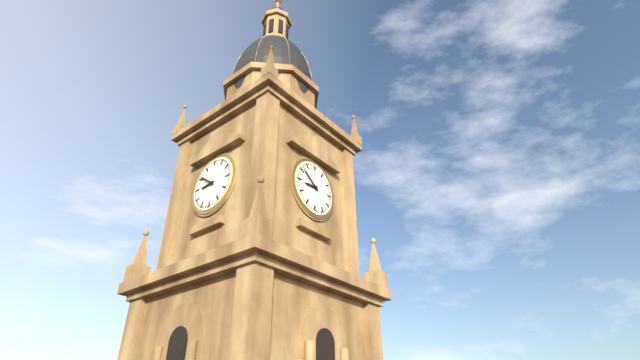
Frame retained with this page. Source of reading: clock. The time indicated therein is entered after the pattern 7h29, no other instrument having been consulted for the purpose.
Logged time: 8h51
